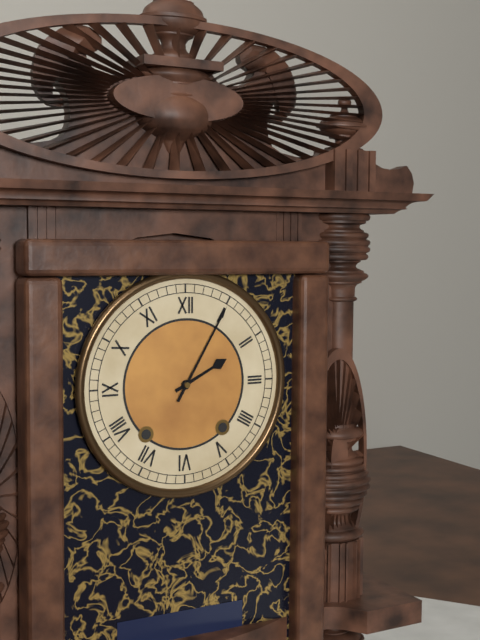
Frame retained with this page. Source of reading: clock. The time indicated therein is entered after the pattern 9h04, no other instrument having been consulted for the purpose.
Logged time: 2h05
